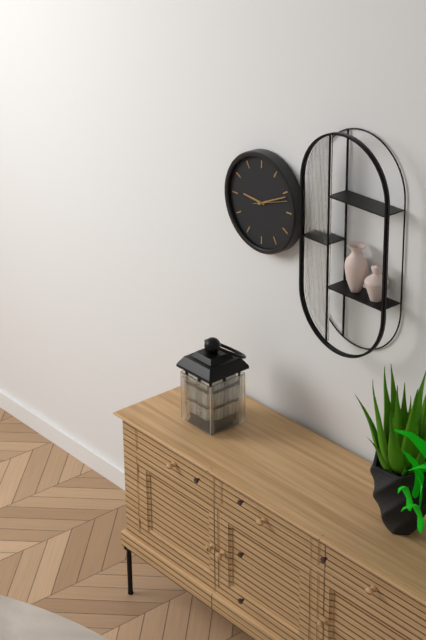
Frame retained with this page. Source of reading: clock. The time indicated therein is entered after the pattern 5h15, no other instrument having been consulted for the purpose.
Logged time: 9h11
